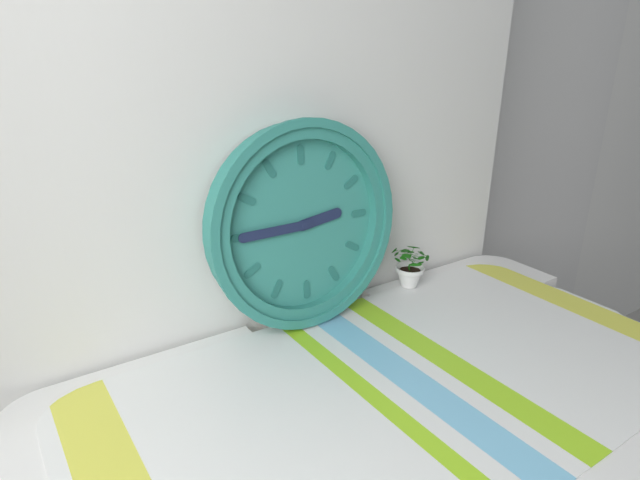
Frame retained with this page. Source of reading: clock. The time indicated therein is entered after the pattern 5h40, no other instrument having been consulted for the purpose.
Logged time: 2h45
